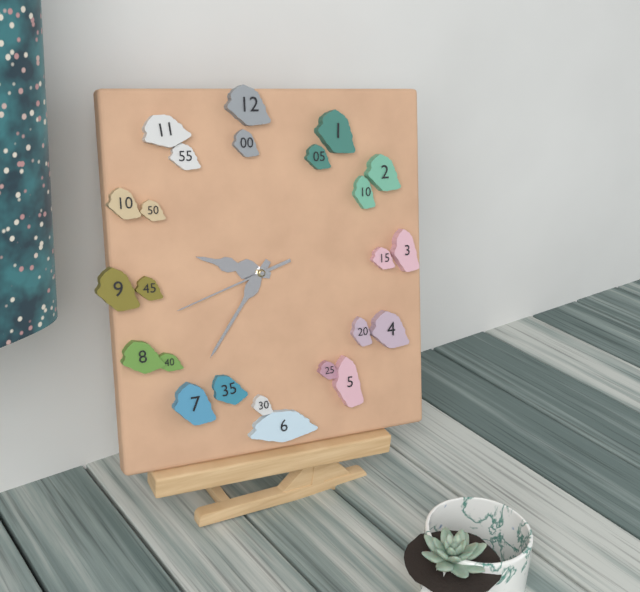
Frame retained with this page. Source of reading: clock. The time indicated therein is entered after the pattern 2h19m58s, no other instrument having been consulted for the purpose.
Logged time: 9h36m42s
